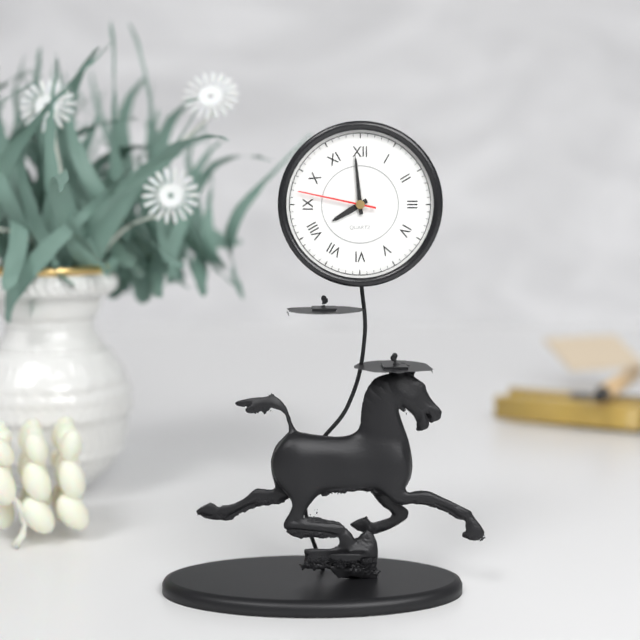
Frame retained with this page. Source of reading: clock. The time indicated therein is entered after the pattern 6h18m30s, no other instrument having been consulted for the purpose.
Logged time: 7h59m47s
